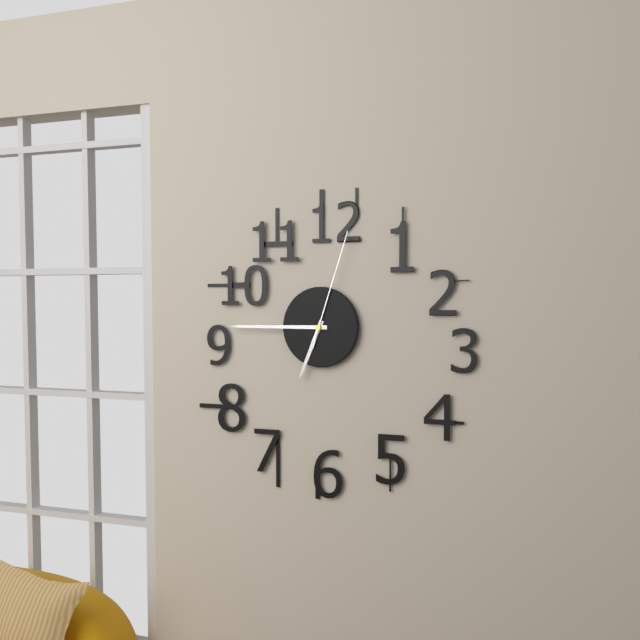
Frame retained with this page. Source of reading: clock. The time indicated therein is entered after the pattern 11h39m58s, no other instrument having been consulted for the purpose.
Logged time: 6h45m03s
